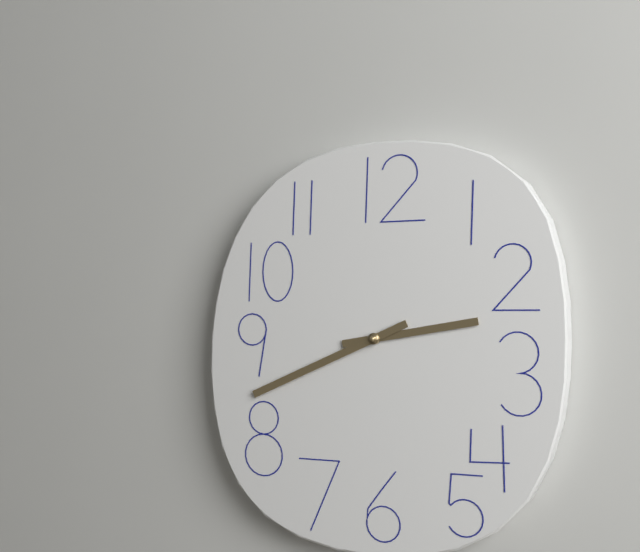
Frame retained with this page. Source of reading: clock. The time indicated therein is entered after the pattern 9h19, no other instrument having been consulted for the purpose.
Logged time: 2h41
